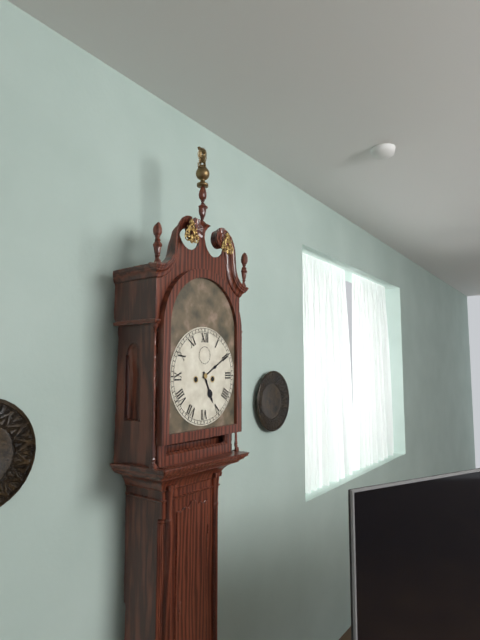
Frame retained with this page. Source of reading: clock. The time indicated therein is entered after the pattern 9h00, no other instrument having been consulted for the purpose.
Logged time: 5h10
